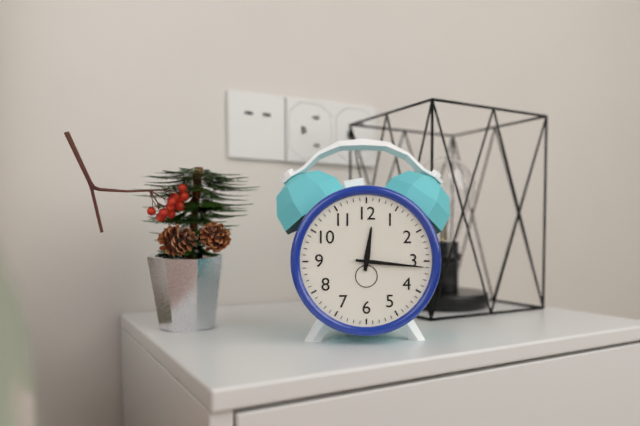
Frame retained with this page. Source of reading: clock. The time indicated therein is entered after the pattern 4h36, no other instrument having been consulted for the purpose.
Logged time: 12h16
